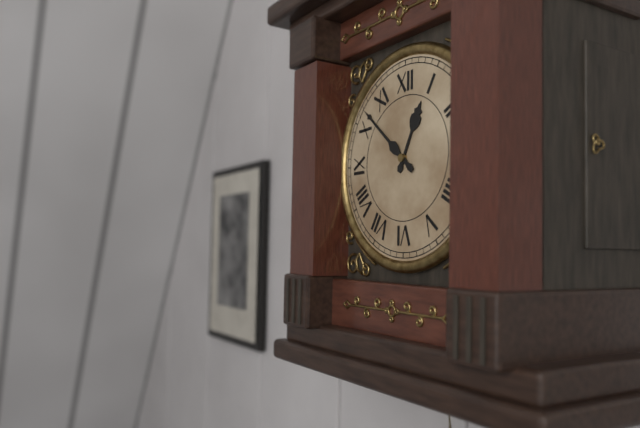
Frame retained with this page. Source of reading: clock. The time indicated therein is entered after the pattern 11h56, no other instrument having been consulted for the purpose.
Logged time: 12h52
